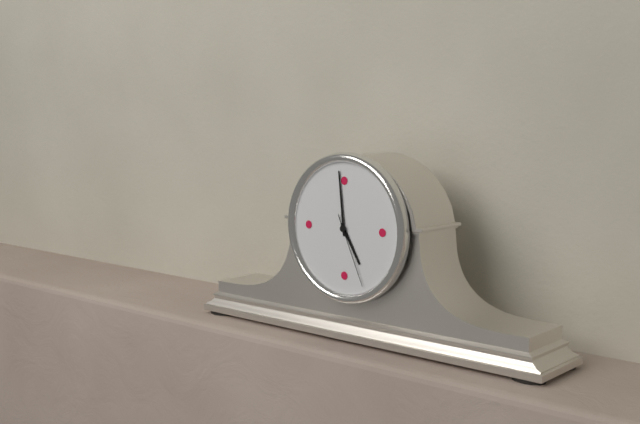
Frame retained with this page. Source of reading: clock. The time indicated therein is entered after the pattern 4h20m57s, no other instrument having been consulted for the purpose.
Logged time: 4h59m26s
